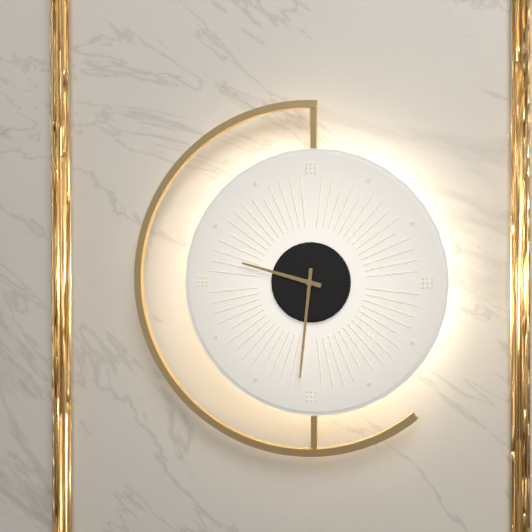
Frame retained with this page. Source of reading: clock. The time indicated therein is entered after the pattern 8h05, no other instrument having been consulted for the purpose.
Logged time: 9h31
